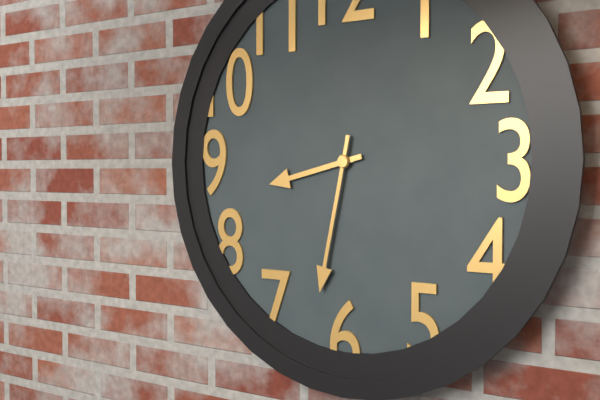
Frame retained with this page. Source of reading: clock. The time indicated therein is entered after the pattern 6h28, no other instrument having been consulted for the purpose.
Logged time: 8h32
